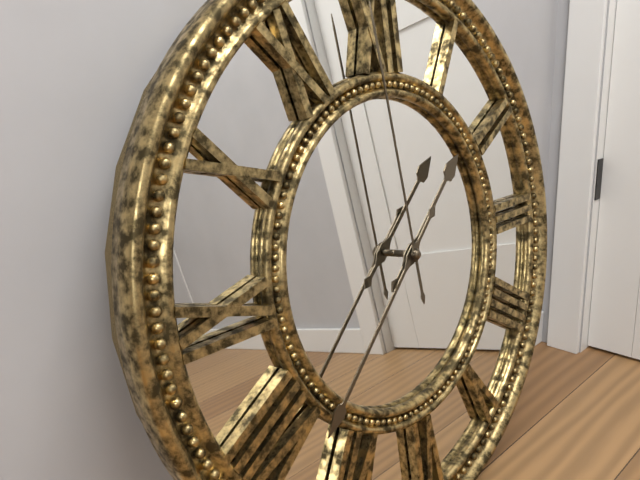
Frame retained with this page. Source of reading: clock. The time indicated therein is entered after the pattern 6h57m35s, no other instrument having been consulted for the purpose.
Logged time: 1h38m59s
